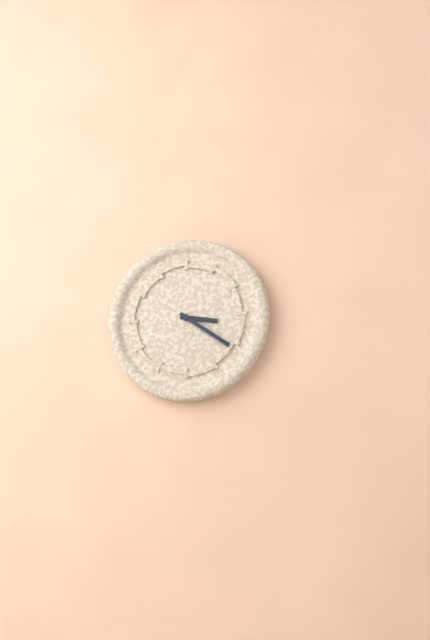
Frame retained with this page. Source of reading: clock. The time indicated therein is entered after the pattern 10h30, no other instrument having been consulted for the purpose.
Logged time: 3h21
